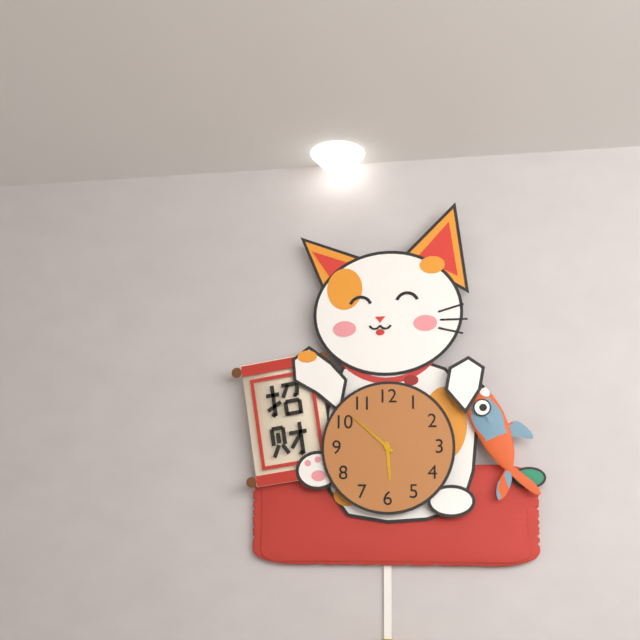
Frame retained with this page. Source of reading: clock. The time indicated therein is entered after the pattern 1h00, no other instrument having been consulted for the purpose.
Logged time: 5h52
